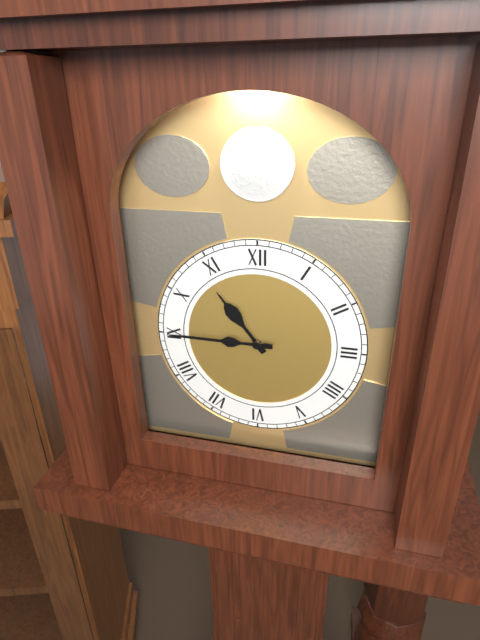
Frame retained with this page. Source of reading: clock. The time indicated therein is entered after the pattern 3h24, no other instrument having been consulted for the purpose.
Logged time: 10h45
